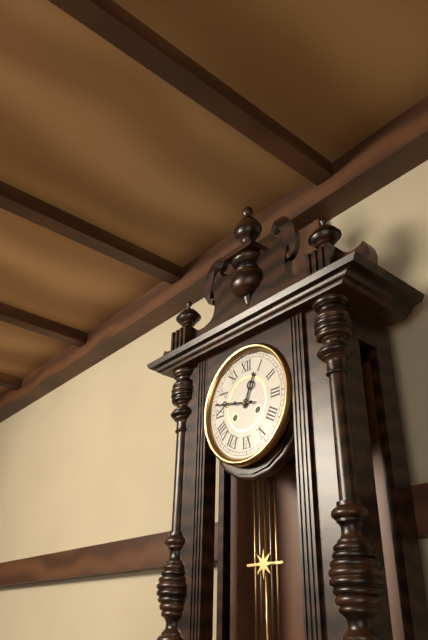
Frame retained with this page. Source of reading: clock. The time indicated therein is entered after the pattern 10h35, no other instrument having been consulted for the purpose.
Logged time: 12h47
